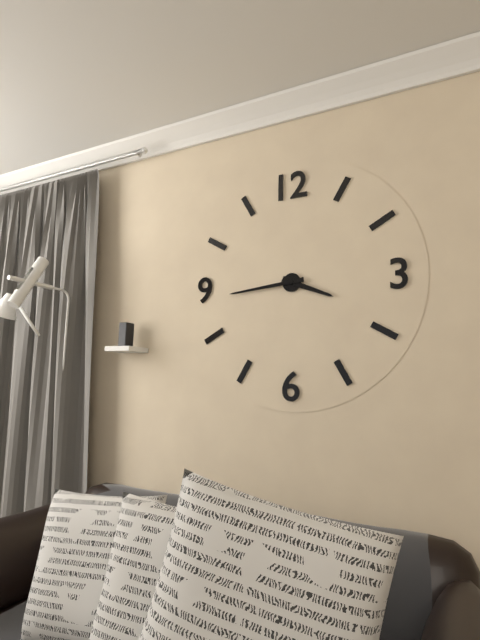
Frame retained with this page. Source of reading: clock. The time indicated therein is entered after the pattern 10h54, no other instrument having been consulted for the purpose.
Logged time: 3h44
